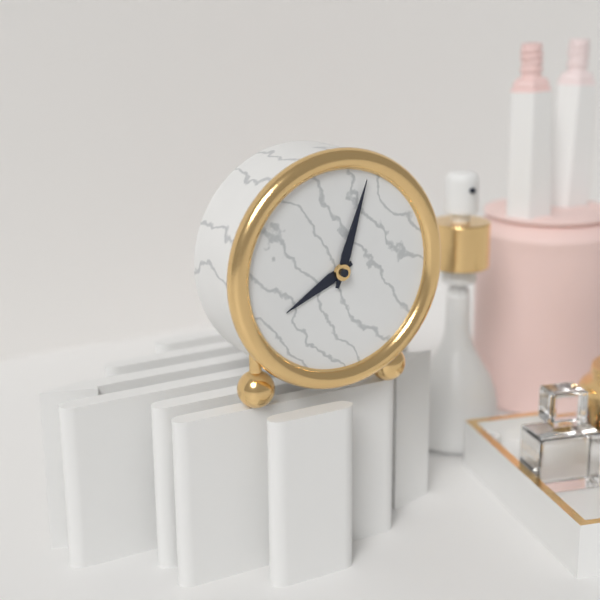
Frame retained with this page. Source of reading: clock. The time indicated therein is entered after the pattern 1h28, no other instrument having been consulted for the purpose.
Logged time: 8h03
